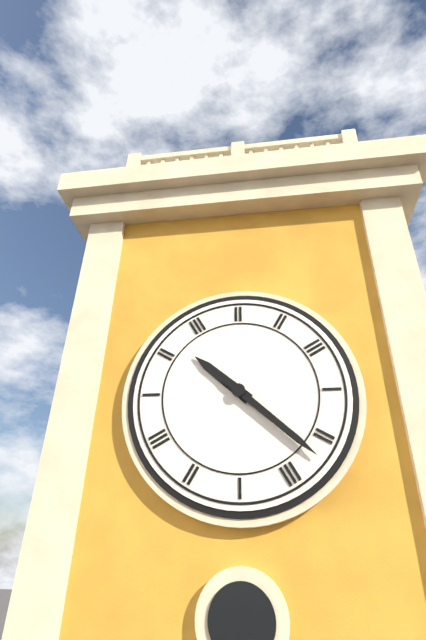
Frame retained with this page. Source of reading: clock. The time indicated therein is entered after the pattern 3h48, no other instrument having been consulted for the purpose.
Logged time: 10h22
